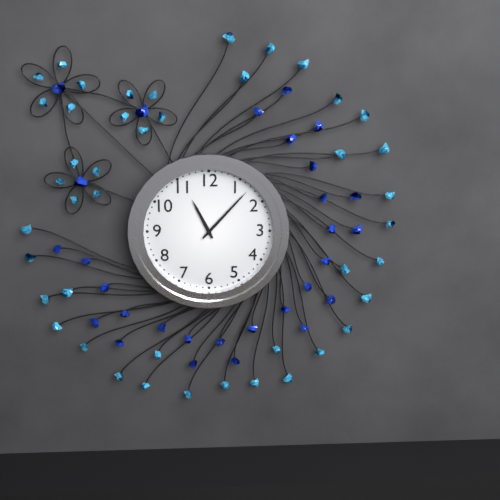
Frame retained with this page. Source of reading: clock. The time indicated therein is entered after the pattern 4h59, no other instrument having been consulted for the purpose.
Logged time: 11h07
